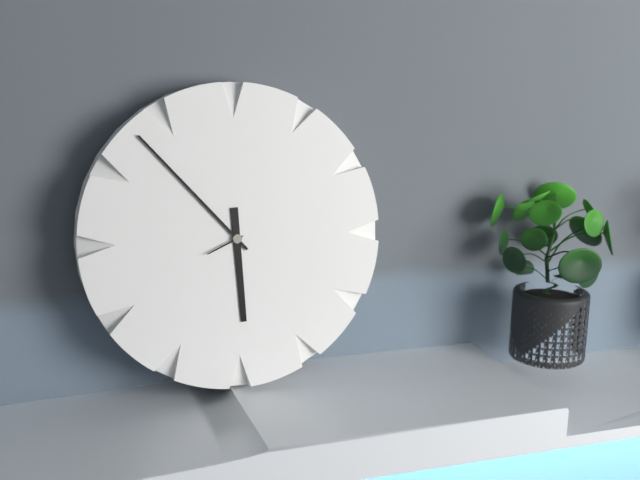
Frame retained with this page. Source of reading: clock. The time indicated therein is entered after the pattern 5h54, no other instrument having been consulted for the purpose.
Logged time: 5h53
